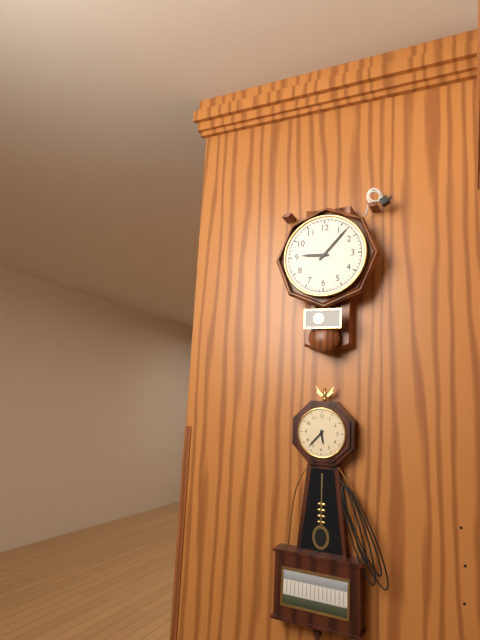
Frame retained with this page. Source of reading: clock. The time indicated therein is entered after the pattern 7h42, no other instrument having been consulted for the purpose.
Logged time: 9h07
